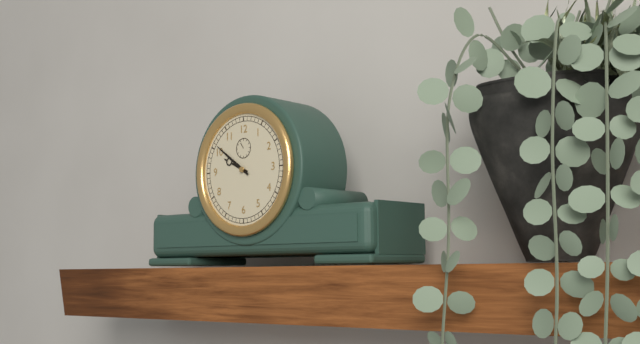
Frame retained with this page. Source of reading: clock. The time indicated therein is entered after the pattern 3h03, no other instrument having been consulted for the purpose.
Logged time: 9h51
